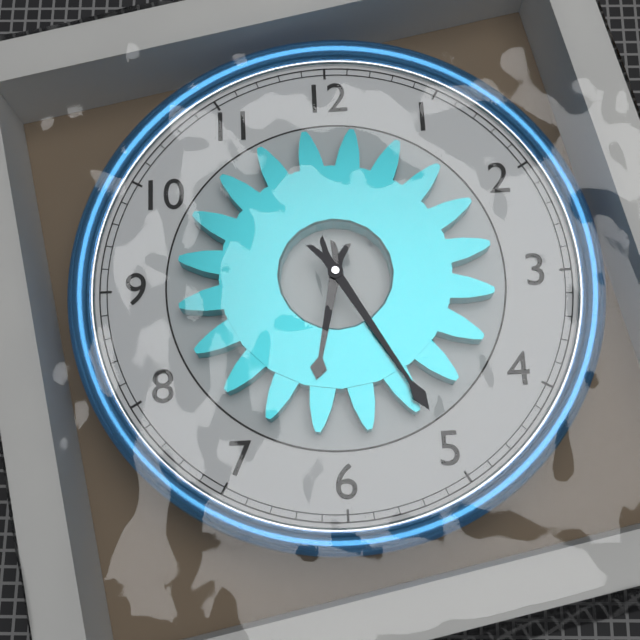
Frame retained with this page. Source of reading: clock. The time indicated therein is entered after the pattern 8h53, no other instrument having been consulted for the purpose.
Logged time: 6h25
